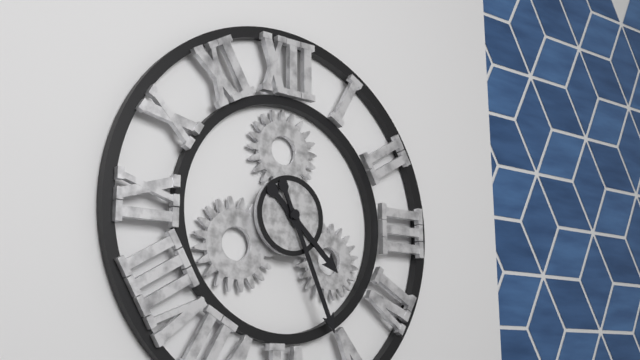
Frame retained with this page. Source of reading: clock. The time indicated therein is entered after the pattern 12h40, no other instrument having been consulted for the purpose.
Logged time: 4h26
